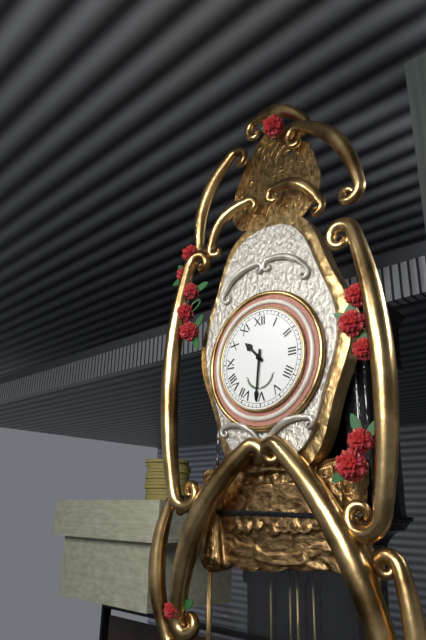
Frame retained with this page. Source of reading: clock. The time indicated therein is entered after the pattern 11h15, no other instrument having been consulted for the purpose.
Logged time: 10h31
